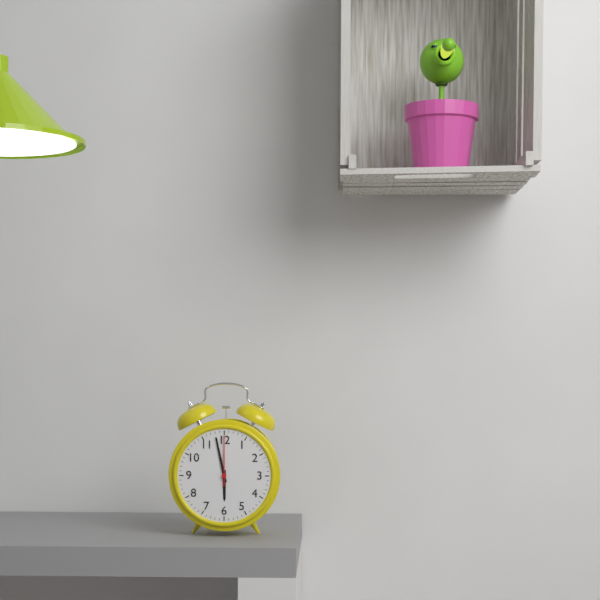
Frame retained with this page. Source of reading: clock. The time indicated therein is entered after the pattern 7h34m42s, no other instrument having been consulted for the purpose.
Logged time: 5h58m00s
